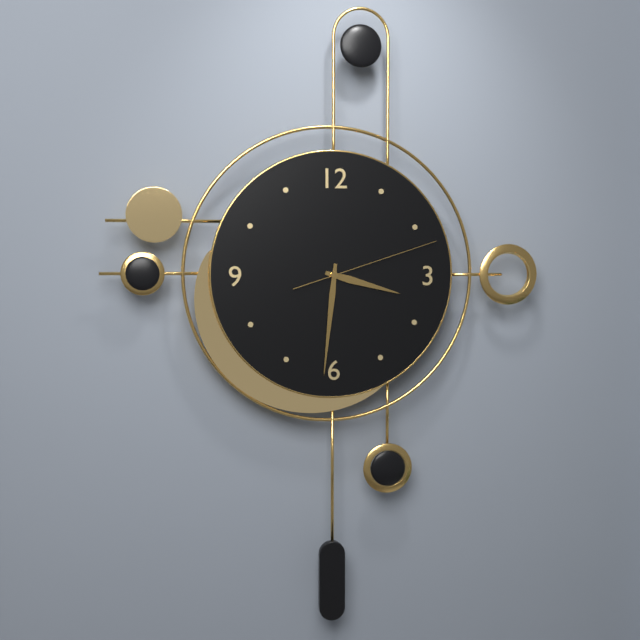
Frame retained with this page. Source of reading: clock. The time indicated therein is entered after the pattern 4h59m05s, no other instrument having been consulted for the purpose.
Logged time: 3h31m12s
